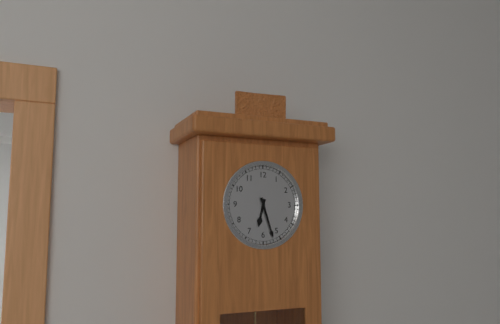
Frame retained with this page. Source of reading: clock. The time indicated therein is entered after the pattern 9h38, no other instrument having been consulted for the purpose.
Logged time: 6h27
